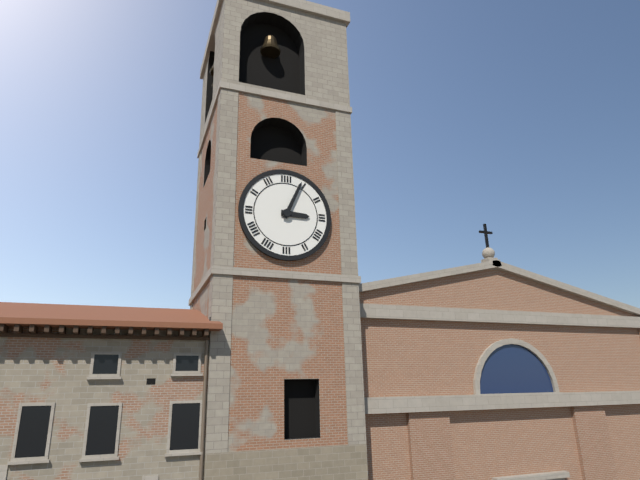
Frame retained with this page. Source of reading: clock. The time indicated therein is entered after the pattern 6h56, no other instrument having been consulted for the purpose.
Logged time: 3h04
